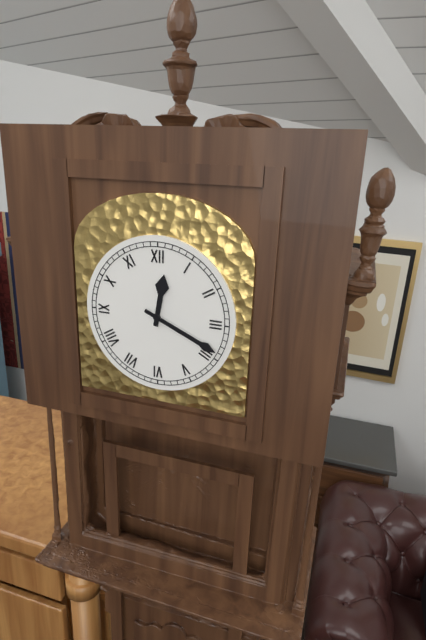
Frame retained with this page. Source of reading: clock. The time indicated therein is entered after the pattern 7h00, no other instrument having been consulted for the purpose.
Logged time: 12h19
